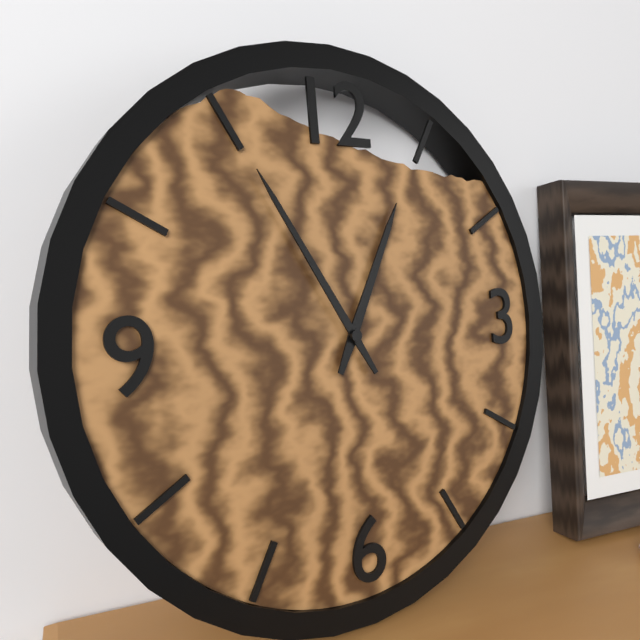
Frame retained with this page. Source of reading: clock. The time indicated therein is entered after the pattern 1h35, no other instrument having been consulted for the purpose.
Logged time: 12h55
